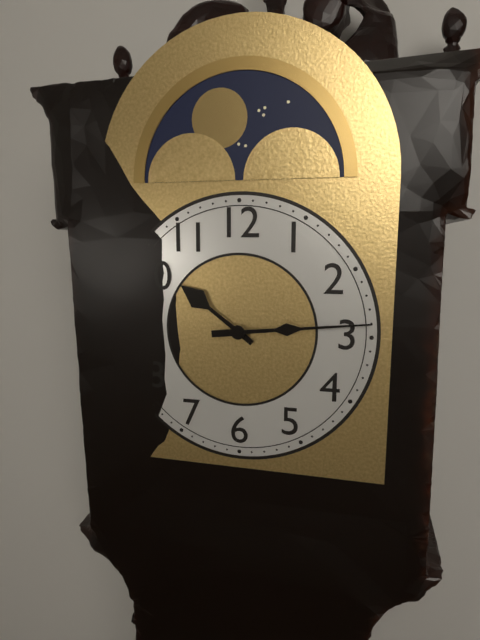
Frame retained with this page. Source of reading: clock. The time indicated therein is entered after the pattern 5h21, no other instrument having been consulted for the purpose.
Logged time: 10h14
